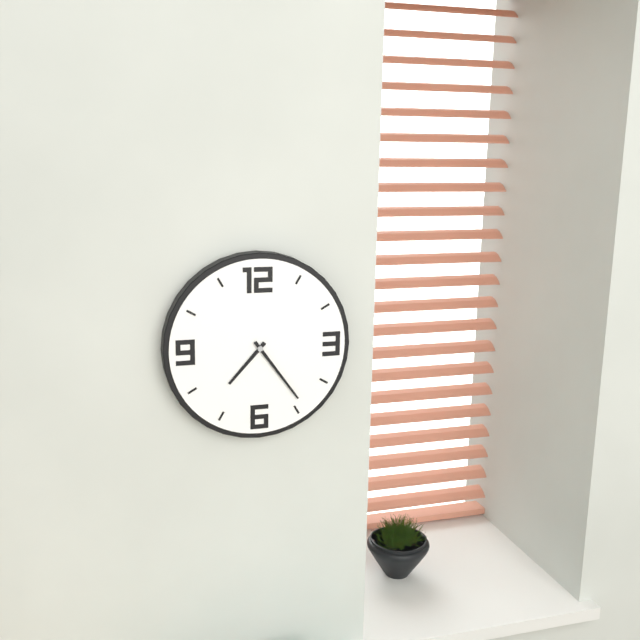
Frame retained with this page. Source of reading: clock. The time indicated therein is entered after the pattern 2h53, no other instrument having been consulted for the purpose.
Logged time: 7h24
